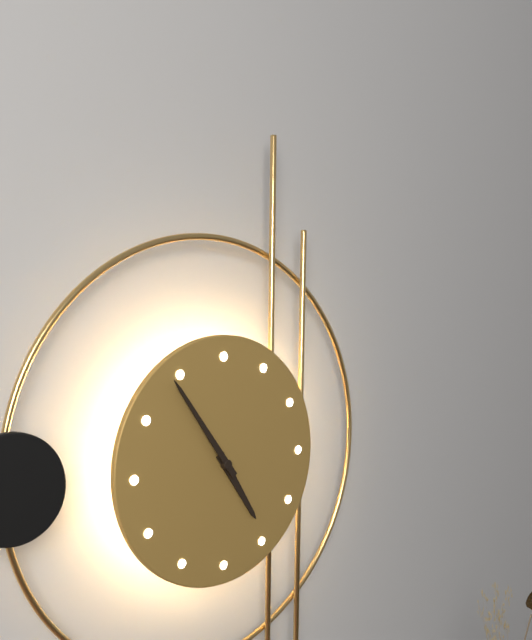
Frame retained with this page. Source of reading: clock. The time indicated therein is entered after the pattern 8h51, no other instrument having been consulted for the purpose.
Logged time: 4h54
